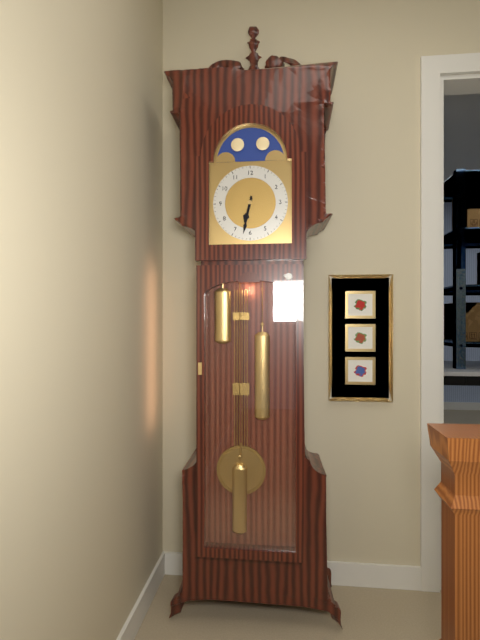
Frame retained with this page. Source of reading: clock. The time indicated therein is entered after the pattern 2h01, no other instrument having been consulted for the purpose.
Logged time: 6h32
